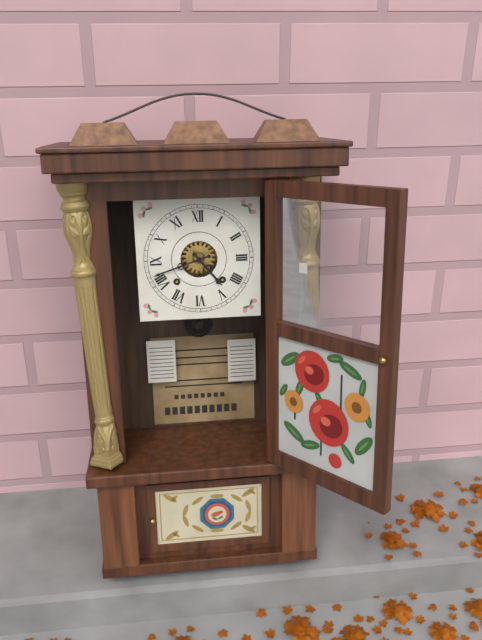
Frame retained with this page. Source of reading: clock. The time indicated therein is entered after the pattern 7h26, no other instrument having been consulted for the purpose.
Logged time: 4h42
